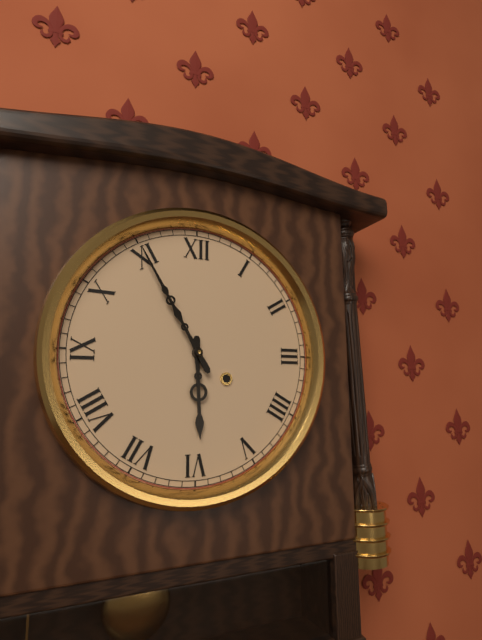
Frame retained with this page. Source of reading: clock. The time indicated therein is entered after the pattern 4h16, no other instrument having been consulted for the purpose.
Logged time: 5h55
